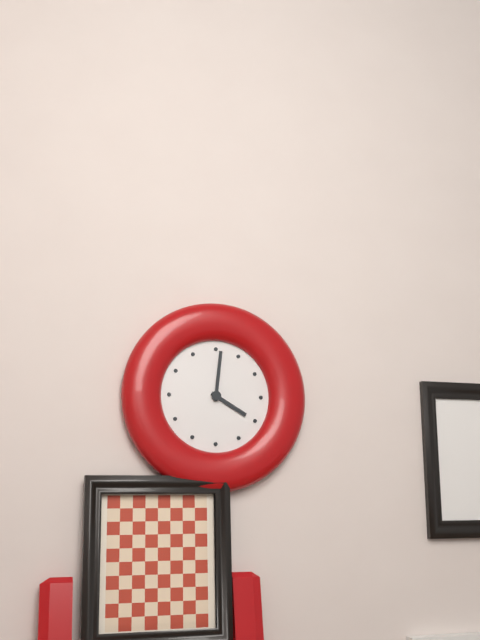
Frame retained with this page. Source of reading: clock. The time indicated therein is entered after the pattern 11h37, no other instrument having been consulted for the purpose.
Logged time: 4h01
